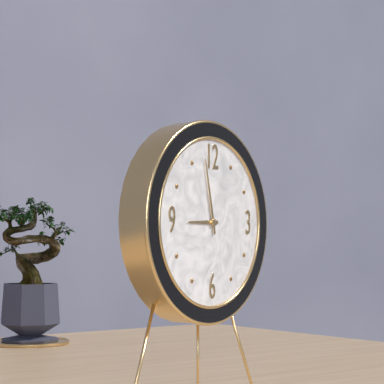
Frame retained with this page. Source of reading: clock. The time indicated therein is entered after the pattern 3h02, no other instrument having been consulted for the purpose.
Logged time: 8h58
